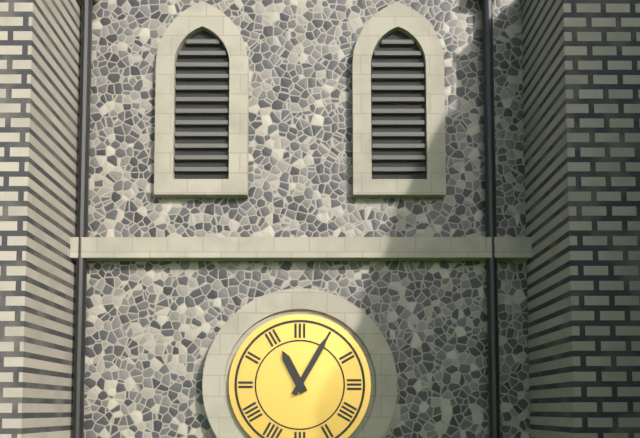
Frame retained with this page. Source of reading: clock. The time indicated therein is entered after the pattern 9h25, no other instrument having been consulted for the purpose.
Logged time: 11h05
